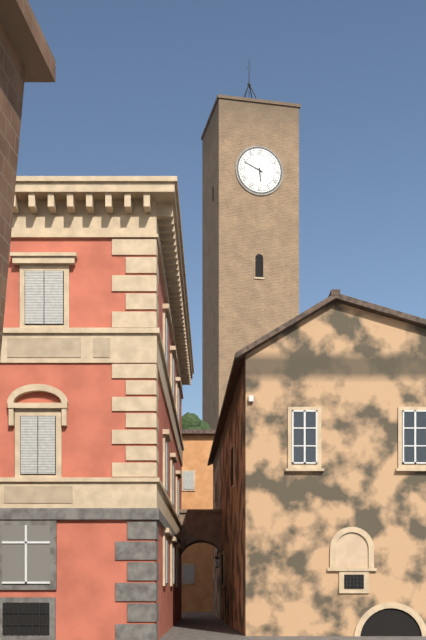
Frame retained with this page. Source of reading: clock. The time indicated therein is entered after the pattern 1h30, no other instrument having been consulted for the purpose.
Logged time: 5h49
